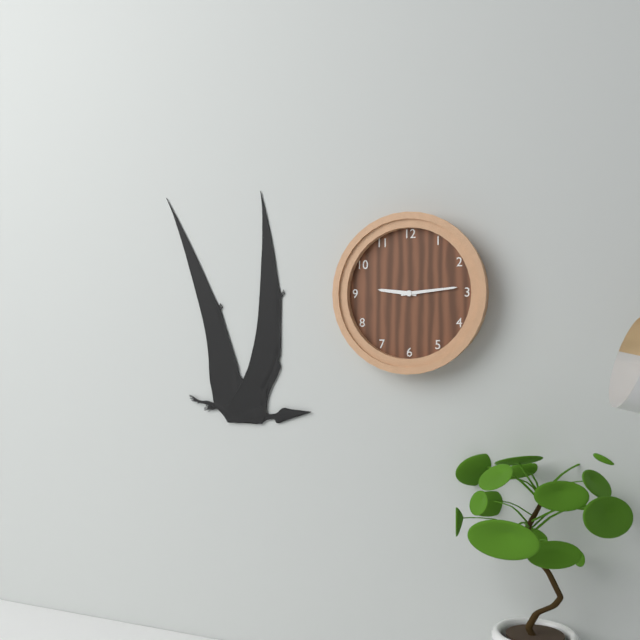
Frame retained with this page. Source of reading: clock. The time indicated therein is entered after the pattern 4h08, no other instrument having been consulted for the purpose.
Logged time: 9h14
